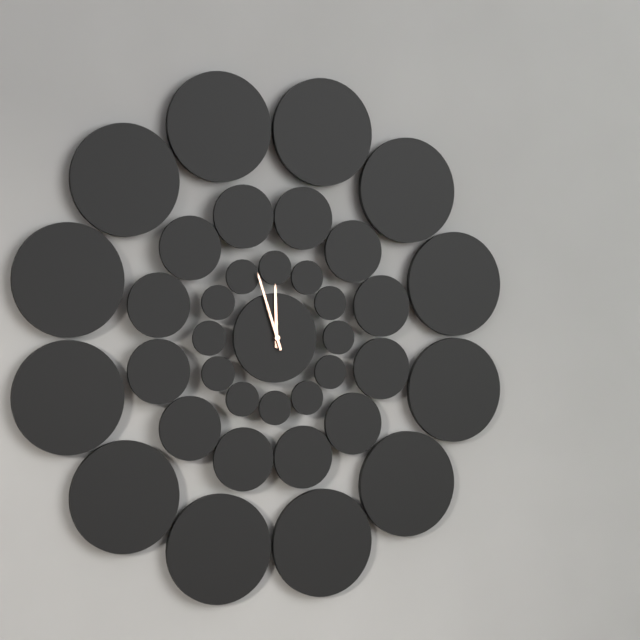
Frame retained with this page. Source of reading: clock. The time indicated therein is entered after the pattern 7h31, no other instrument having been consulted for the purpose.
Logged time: 11h57
